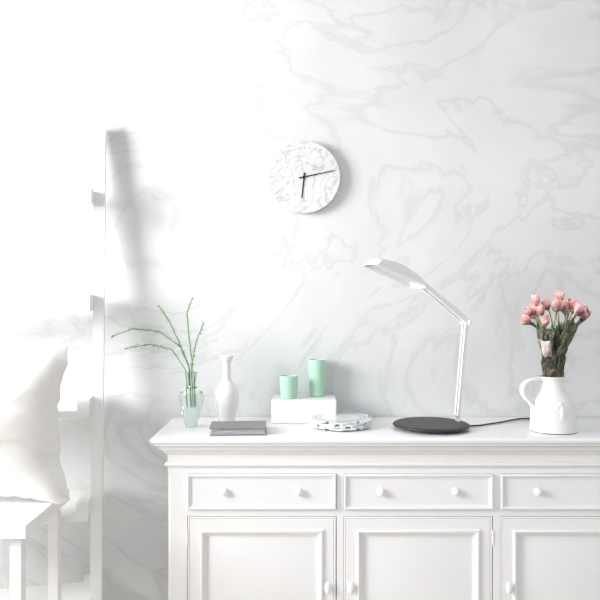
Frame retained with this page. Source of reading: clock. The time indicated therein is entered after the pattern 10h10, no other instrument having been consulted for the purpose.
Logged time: 6h13
